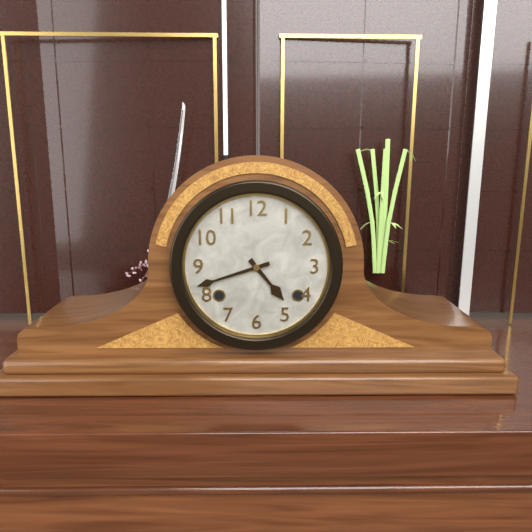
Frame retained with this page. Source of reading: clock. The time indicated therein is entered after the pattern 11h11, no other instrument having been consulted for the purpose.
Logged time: 4h42
